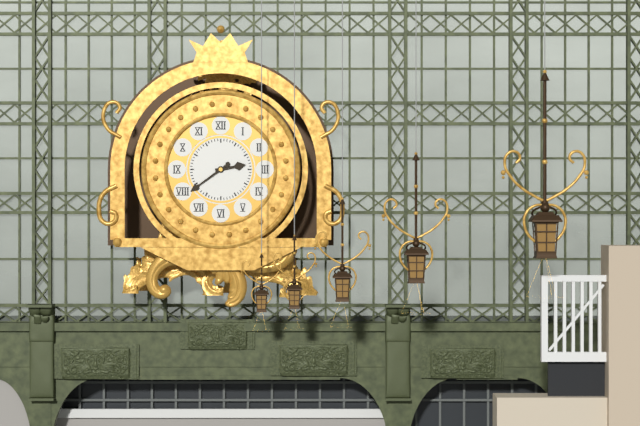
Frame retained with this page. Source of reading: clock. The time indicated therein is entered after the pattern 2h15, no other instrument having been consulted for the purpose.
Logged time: 2h39
